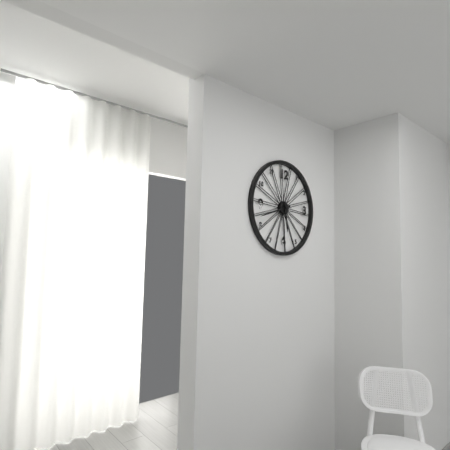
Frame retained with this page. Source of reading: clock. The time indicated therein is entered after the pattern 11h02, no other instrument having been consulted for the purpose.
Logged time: 5h42
